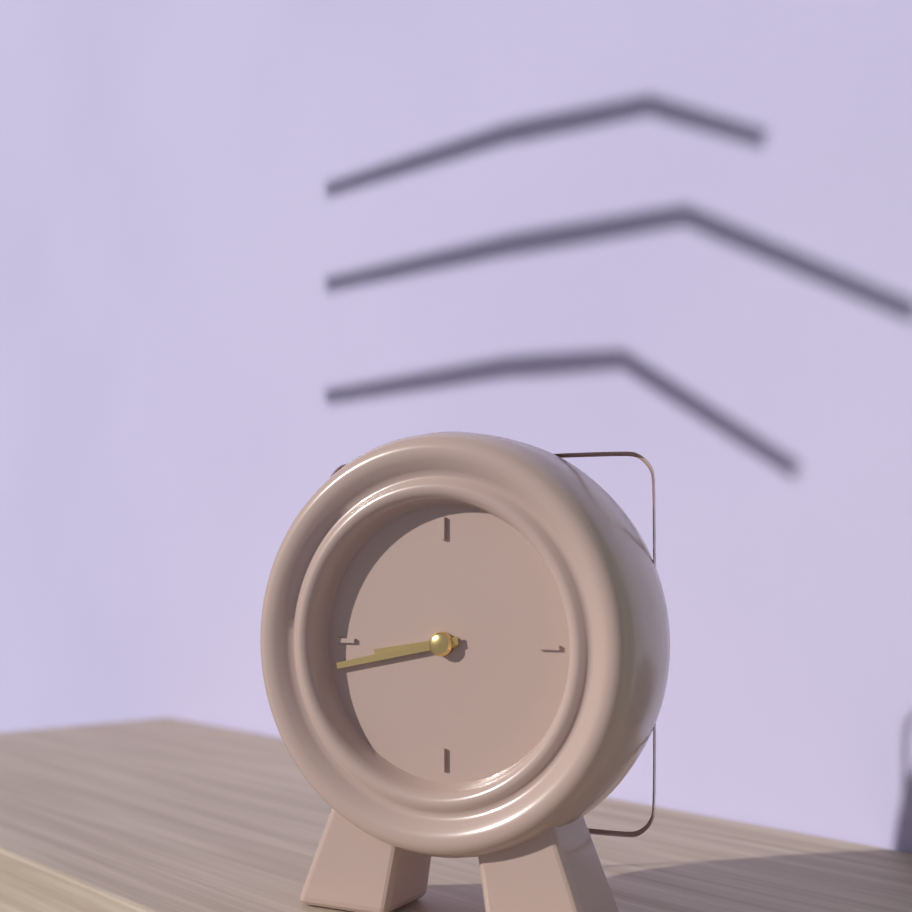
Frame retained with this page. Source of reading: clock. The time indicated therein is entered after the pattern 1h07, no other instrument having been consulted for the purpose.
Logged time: 8h43
